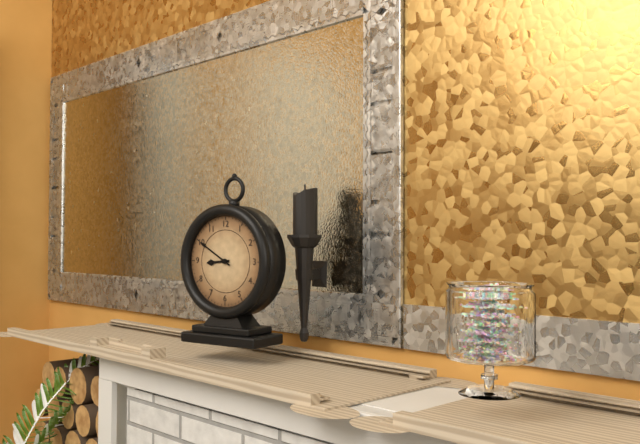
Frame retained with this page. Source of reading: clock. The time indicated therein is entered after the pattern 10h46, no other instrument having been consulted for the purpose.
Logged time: 8h50
